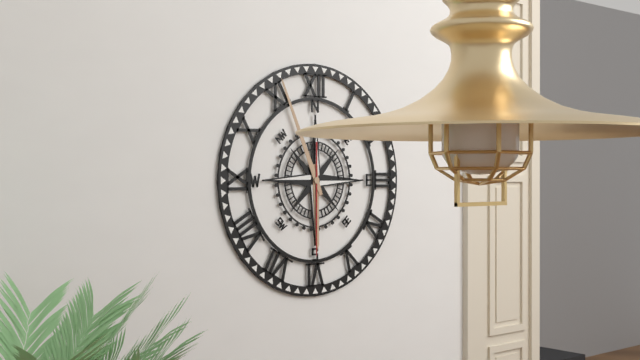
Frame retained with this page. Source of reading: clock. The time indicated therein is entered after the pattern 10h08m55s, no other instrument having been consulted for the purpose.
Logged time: 5h56m30s
